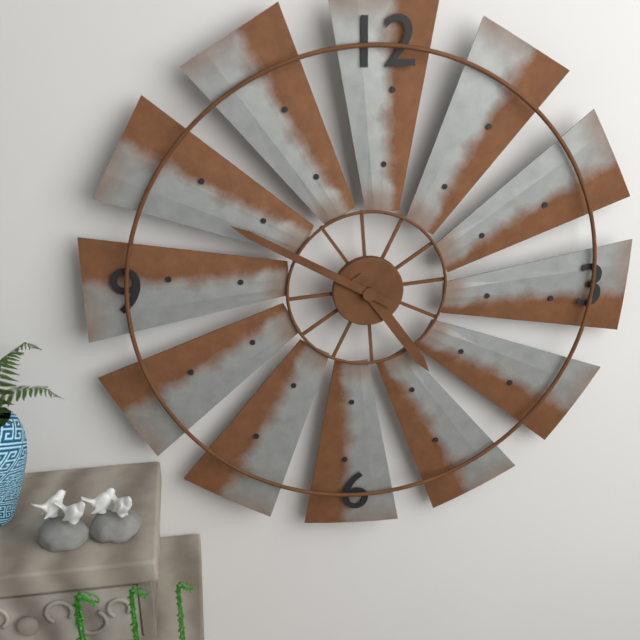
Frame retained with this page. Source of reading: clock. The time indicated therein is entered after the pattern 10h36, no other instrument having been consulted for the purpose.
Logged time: 4h50
